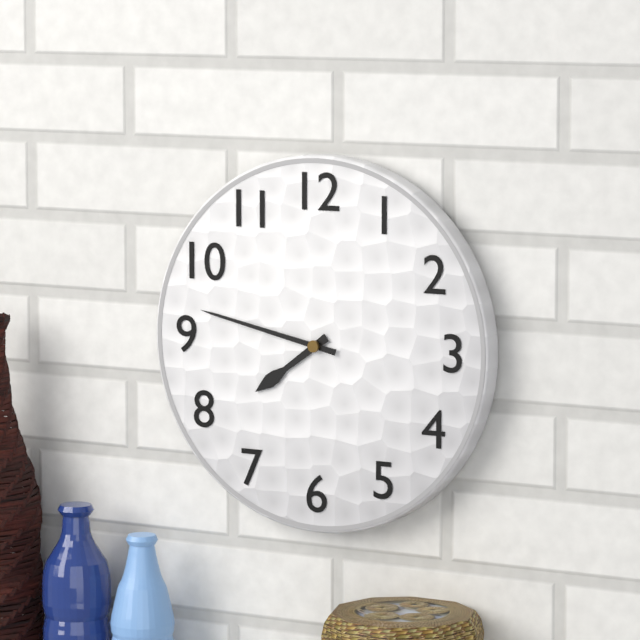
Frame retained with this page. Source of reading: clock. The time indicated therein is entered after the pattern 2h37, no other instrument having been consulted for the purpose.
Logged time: 7h47
